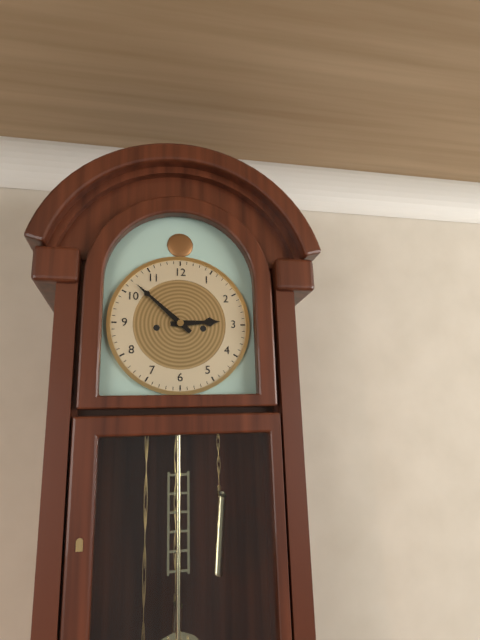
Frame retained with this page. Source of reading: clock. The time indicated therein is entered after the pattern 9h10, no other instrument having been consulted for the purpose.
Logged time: 2h52
